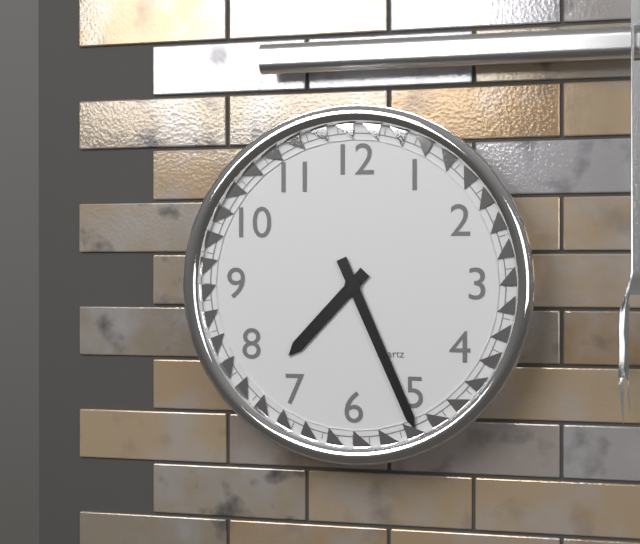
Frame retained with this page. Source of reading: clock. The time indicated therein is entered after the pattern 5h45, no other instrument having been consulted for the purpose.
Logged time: 7h26
